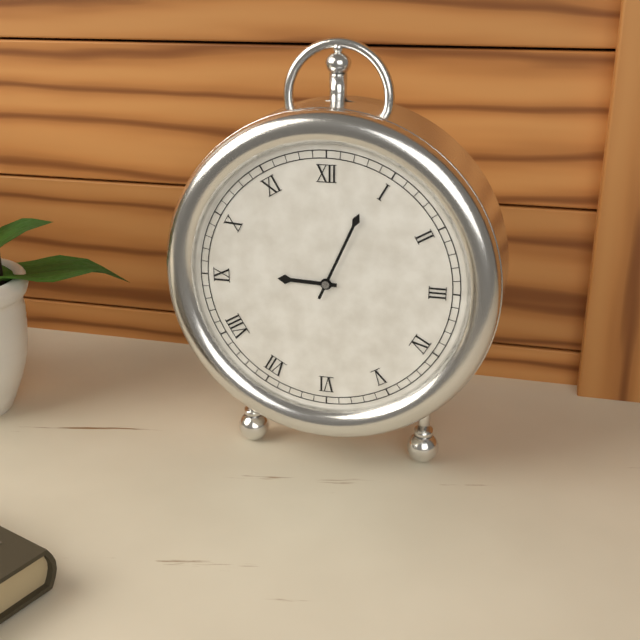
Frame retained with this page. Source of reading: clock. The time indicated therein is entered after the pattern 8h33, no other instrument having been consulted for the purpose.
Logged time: 9h04
